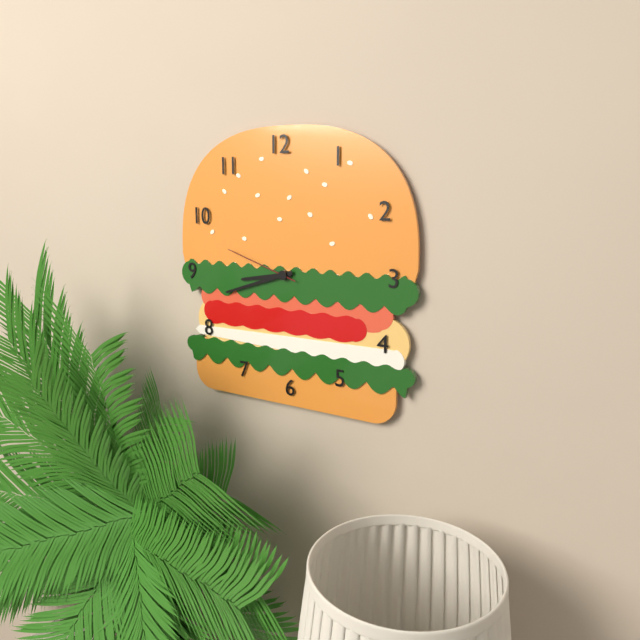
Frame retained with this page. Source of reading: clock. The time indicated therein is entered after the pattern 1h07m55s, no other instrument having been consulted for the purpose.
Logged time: 8h42m48s
